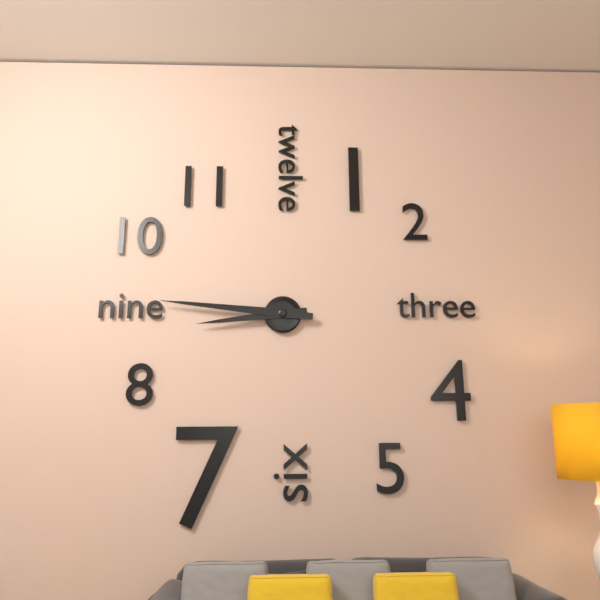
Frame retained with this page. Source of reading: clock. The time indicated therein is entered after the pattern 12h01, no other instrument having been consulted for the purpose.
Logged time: 8h46
